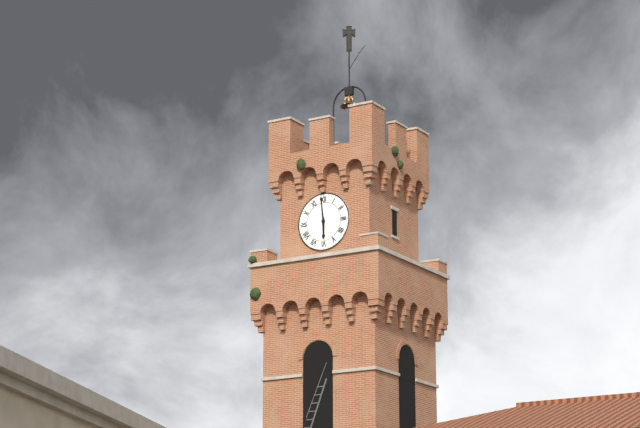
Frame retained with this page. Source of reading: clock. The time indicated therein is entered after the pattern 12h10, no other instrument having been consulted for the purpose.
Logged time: 5h59
